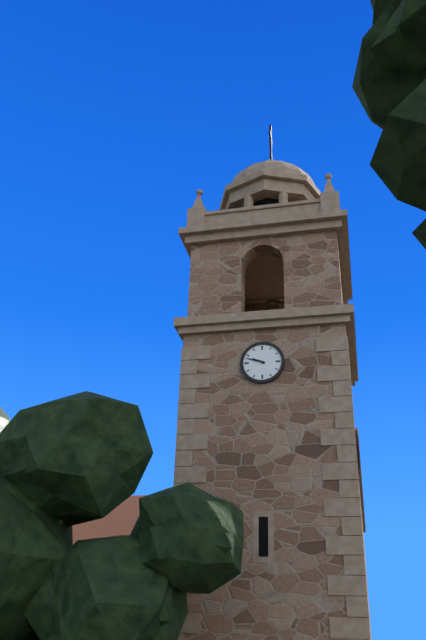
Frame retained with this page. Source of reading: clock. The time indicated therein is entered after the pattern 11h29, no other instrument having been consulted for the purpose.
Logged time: 9h48
